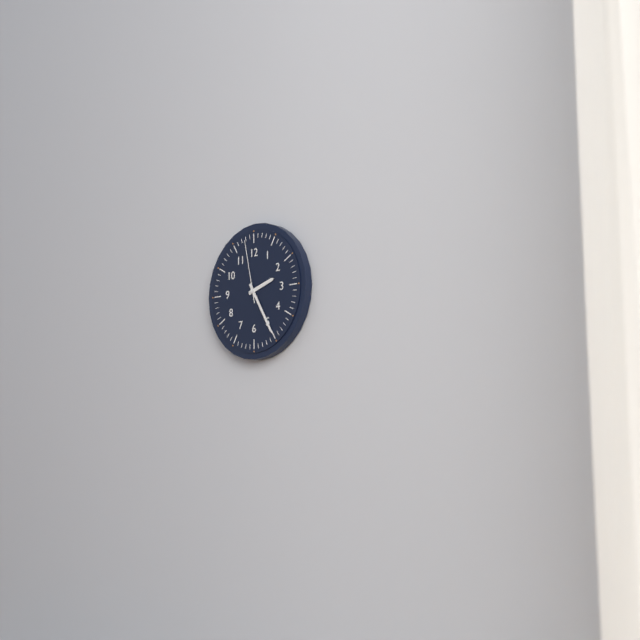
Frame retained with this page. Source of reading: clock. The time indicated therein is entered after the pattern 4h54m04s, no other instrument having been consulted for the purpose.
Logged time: 2h25m58s
